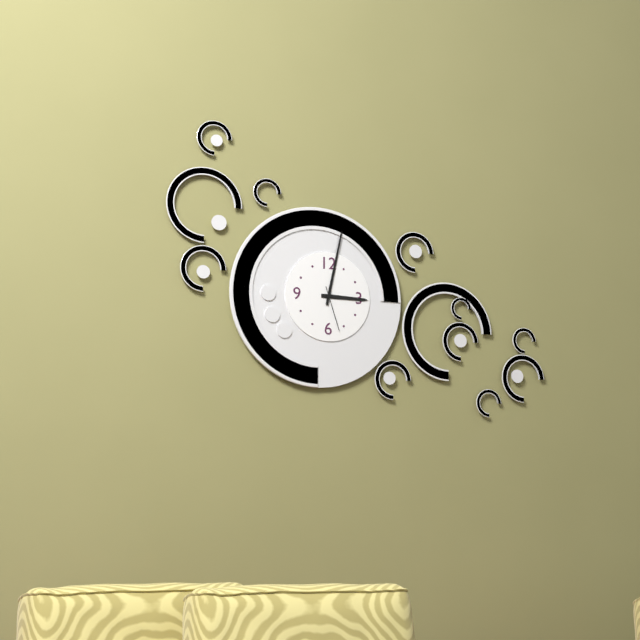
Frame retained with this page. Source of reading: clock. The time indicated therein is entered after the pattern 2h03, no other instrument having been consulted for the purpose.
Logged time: 3h02
